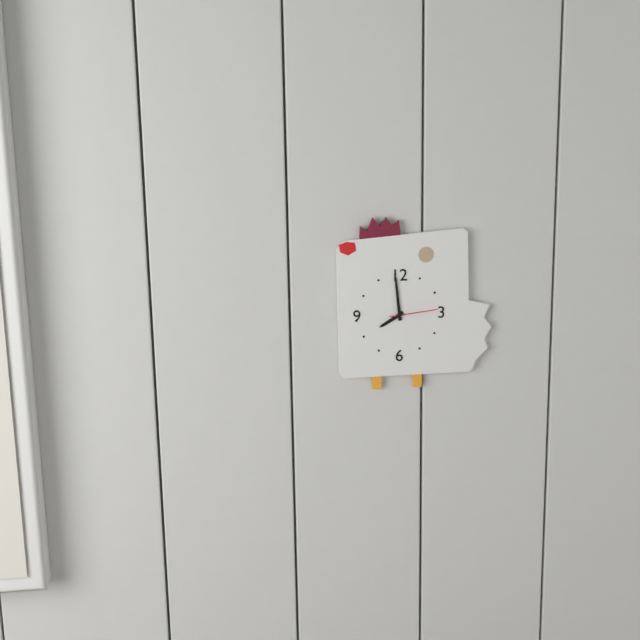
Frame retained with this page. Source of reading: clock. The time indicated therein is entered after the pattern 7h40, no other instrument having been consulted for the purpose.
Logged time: 7h59
